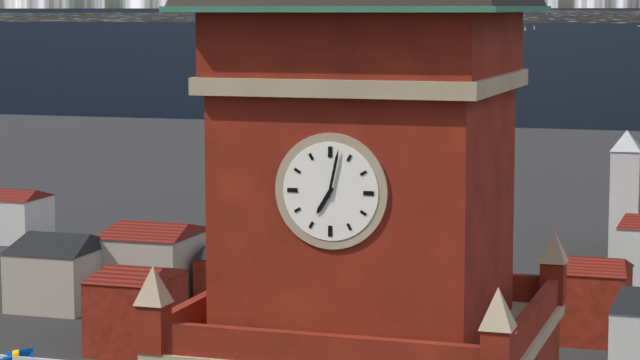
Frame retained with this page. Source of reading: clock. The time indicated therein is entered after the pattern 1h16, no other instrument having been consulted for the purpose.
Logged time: 7h02
